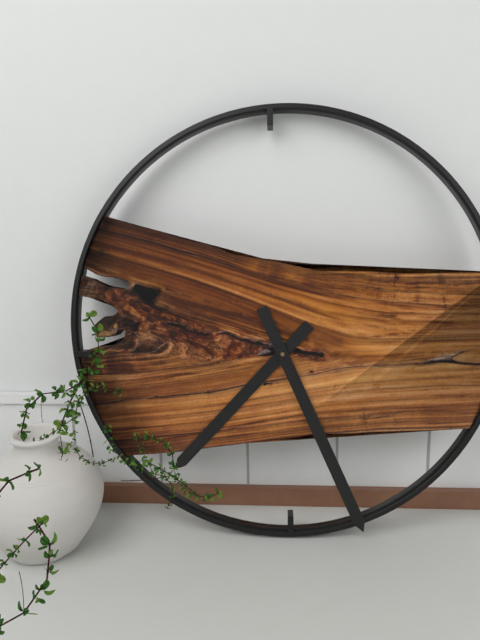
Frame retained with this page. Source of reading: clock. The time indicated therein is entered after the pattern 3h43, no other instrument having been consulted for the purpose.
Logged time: 7h26
